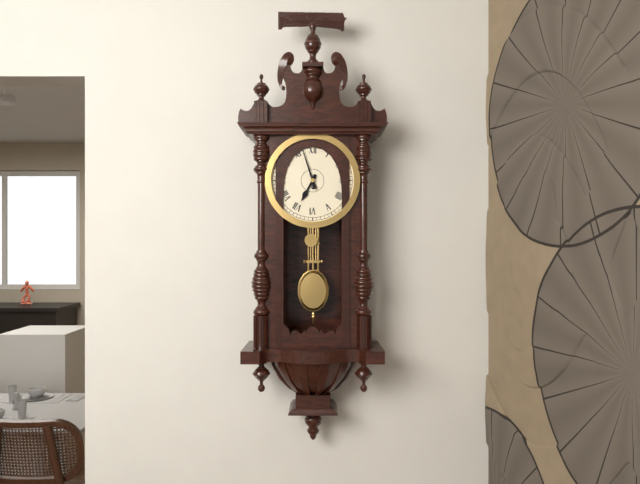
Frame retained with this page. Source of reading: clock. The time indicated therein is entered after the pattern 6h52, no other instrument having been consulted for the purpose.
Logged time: 6h57
